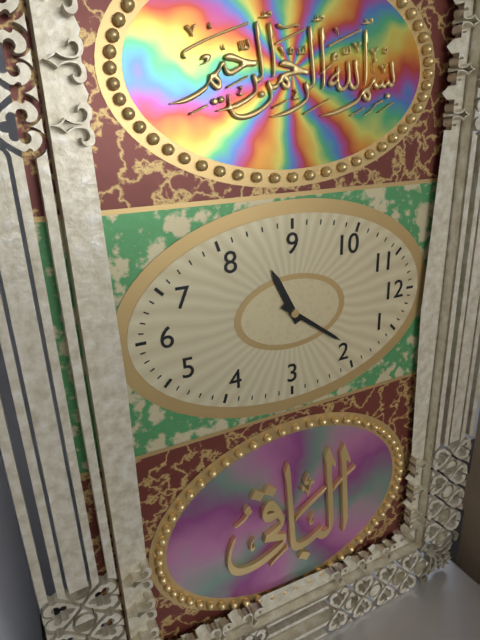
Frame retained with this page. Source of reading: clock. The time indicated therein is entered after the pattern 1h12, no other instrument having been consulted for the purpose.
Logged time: 8h06
